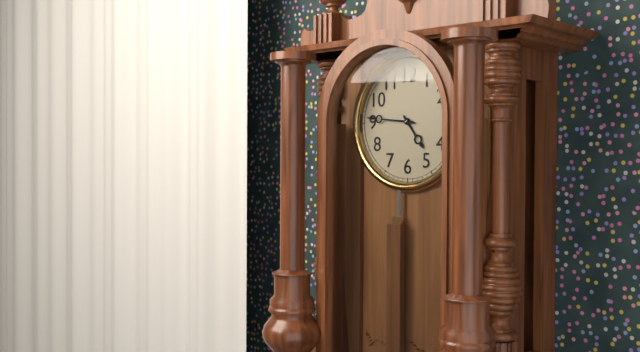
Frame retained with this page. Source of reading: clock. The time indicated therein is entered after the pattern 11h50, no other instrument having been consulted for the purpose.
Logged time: 4h46
